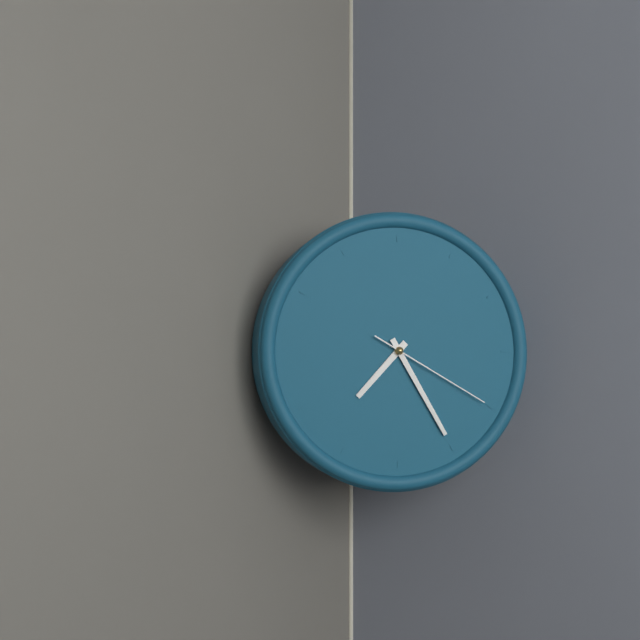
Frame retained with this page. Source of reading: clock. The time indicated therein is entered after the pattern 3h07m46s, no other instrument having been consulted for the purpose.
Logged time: 7h25m20s
